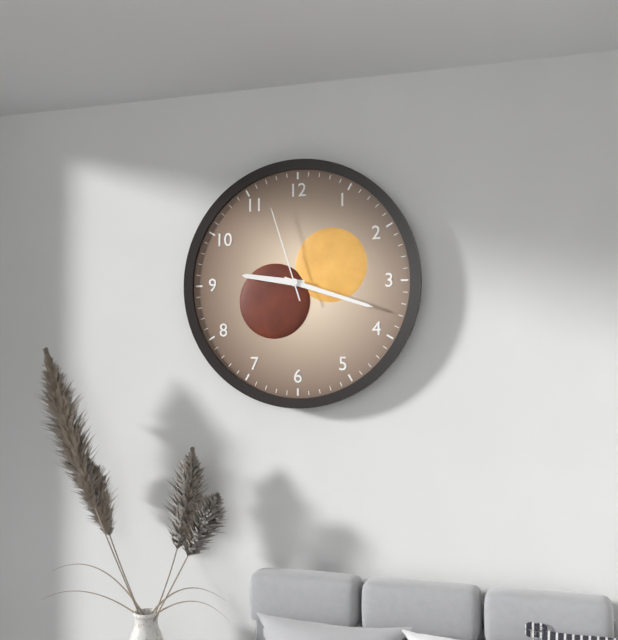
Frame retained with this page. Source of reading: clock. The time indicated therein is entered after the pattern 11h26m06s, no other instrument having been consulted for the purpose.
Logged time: 9h18m57s
